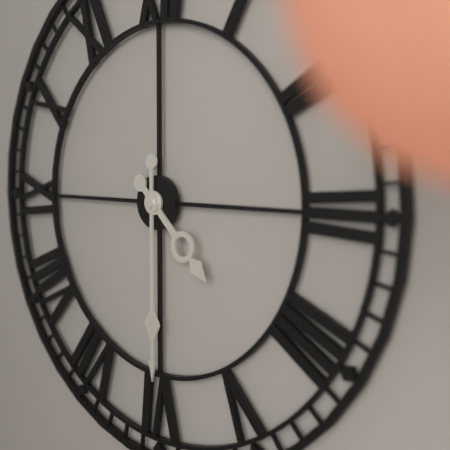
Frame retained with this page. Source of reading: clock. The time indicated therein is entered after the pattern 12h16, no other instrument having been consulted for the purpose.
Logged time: 4h30
